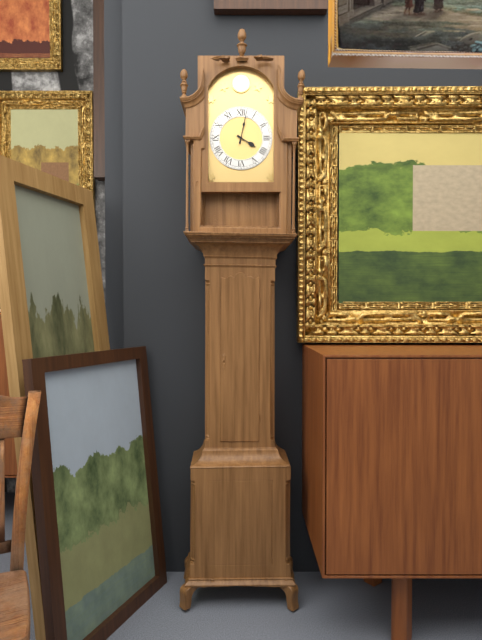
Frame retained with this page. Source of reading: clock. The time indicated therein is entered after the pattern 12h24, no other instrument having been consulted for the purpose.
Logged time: 4h02
